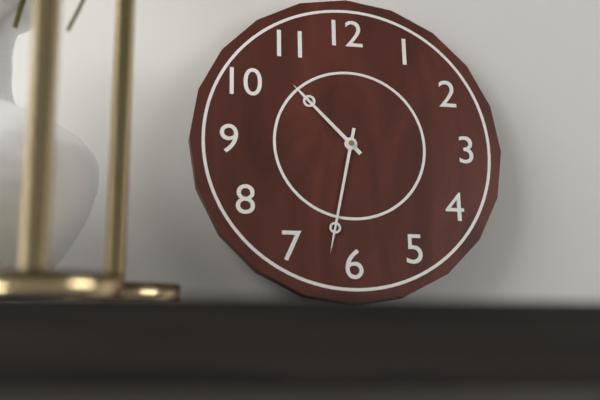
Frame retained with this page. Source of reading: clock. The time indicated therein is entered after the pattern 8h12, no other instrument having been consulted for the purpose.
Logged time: 10h32
